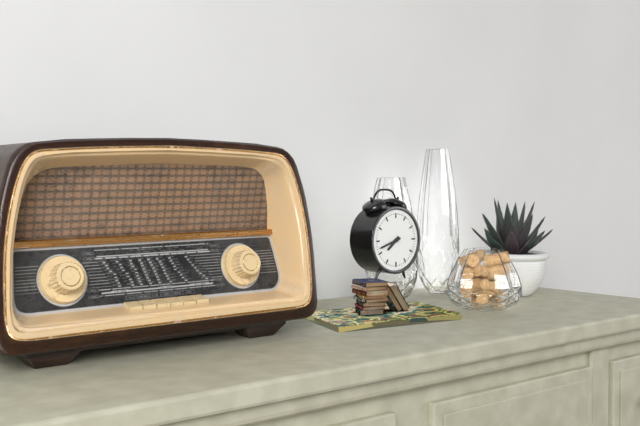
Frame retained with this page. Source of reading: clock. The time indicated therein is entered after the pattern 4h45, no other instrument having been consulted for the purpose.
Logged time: 7h42
